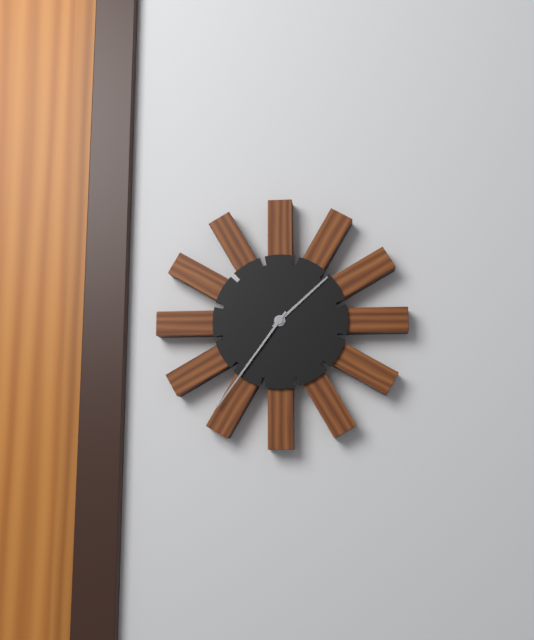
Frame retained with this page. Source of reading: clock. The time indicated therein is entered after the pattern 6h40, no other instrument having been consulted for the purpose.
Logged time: 1h36
